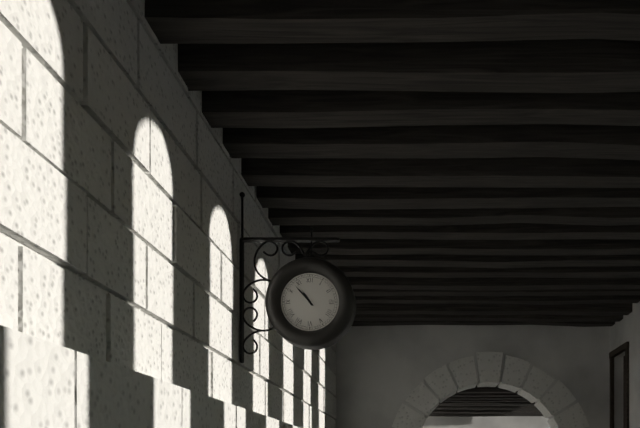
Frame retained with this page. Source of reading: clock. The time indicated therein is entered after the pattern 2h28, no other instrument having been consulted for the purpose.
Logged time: 10h53
